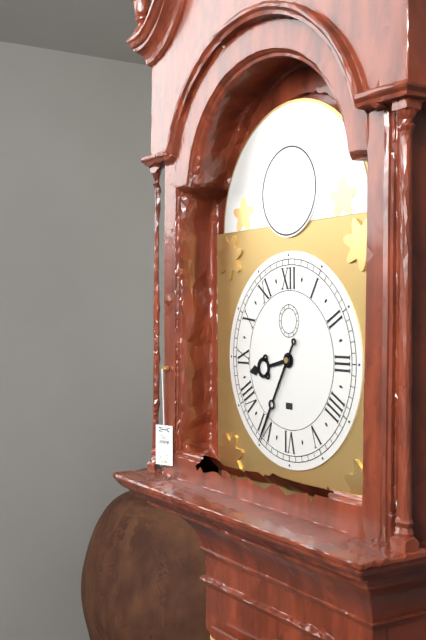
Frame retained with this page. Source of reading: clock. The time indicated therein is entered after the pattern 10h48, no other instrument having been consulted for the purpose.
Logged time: 8h35
